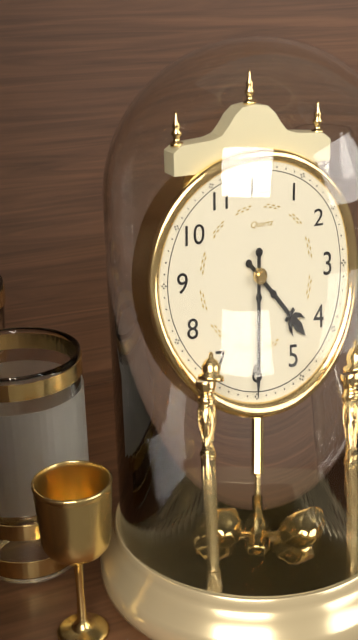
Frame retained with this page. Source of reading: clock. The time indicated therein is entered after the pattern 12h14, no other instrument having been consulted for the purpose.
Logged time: 4h30
